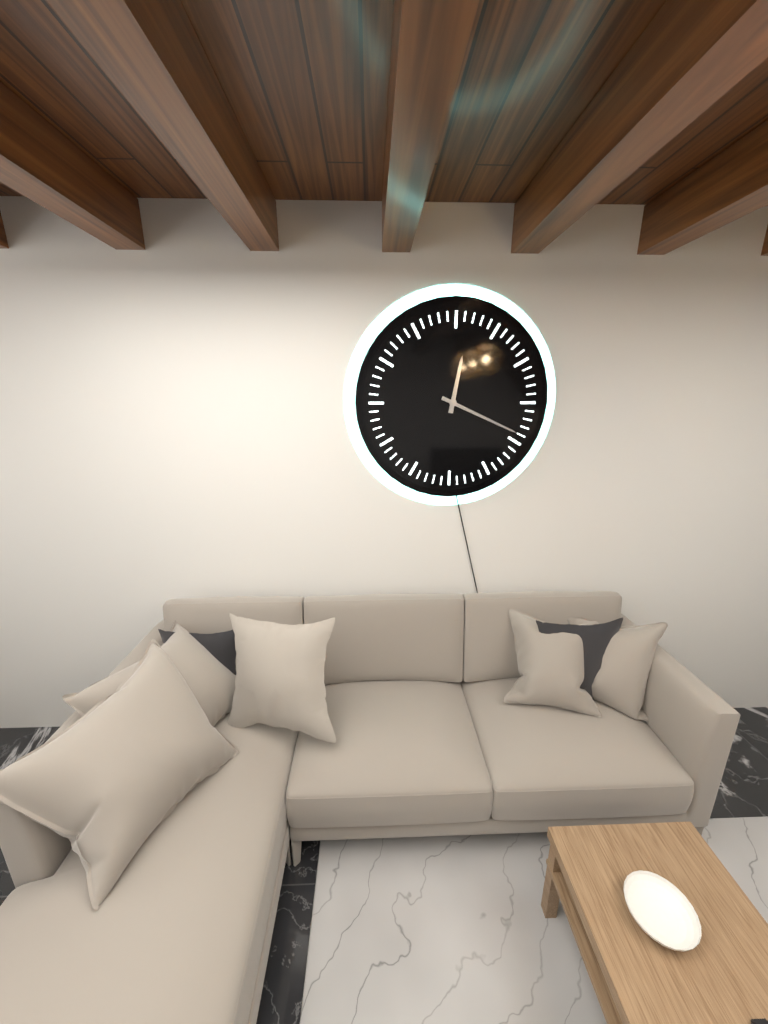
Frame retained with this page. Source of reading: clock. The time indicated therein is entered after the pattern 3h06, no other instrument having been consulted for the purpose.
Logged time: 12h19
